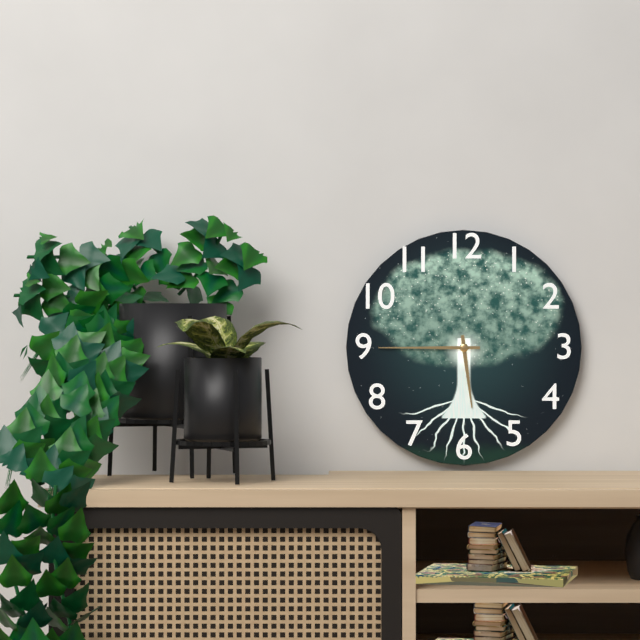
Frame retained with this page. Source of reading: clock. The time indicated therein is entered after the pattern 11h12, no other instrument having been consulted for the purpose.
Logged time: 5h45
